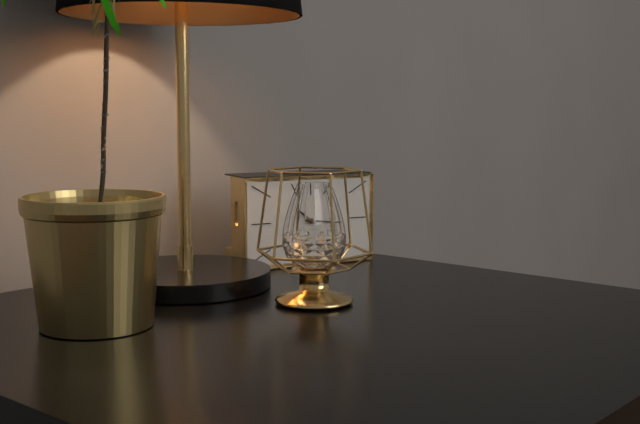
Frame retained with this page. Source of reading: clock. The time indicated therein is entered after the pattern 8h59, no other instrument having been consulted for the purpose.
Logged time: 10h16
